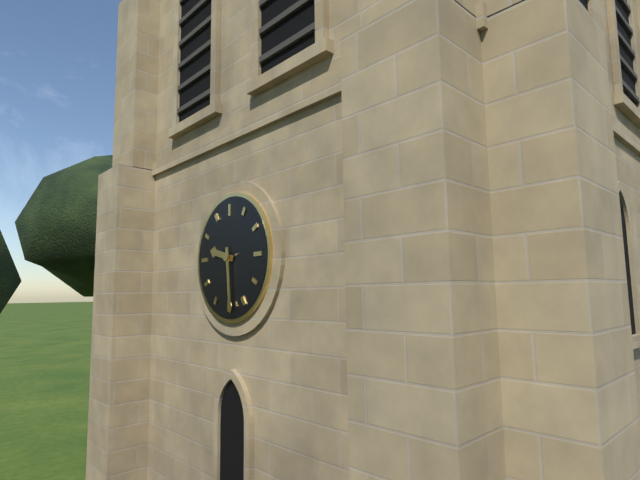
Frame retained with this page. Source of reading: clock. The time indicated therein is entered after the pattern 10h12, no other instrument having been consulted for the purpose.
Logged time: 9h29
